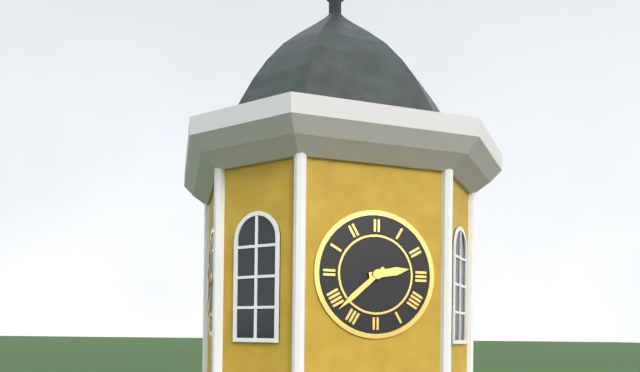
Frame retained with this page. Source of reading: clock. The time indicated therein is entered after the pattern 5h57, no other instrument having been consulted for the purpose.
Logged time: 2h38
